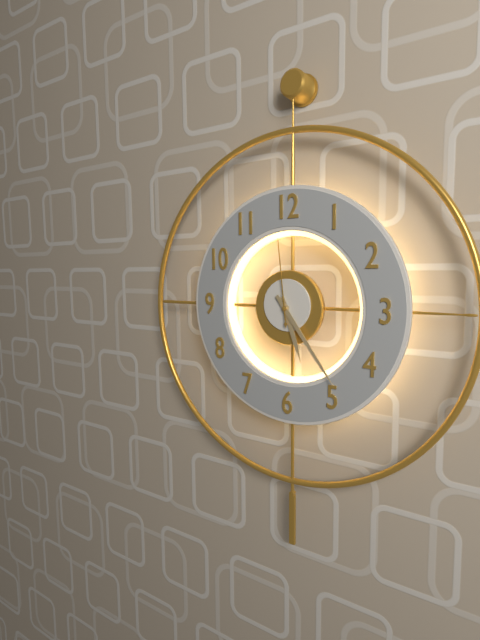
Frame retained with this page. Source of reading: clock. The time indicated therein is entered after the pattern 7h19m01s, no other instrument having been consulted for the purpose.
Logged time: 5h24m59s
